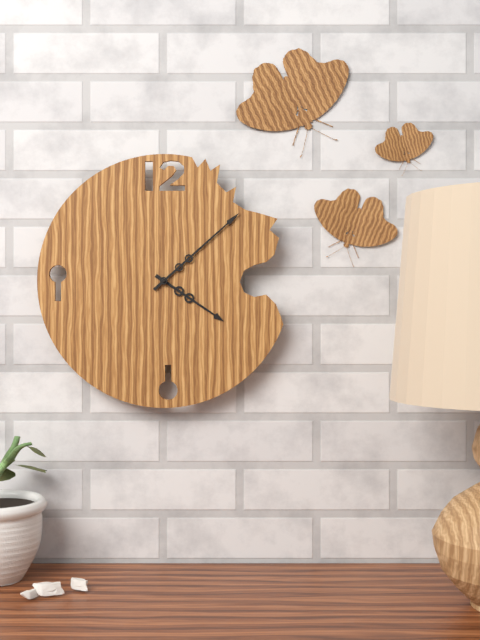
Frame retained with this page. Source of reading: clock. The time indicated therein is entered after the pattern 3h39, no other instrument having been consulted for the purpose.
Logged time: 4h08
